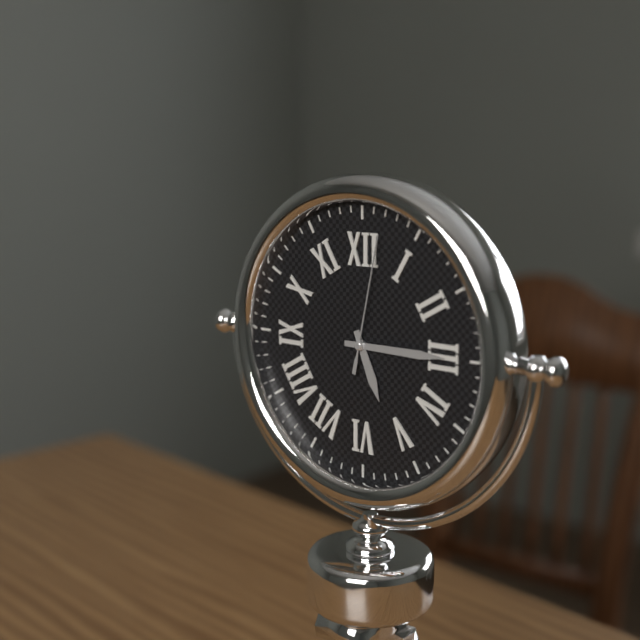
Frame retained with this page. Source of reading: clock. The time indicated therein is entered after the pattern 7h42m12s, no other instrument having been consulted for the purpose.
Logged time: 5h15m02s
